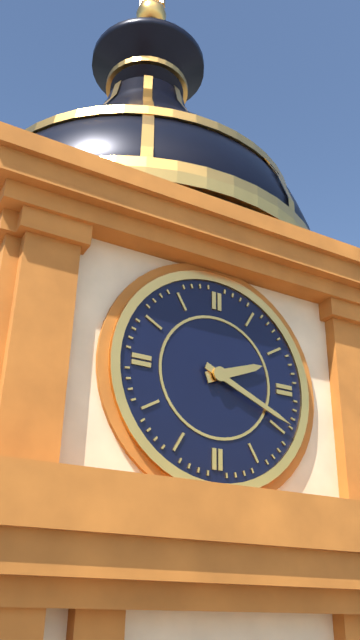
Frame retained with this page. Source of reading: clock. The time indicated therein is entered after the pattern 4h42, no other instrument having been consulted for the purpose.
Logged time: 2h19
